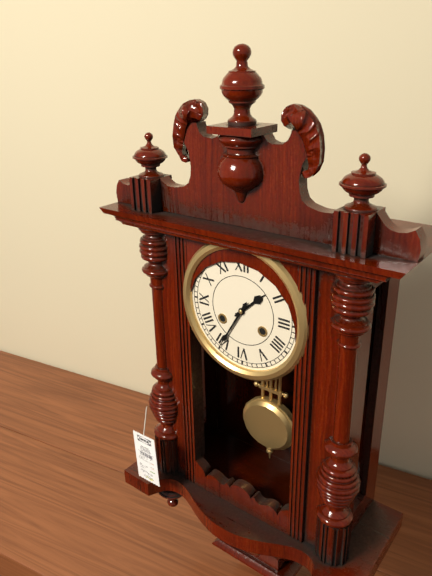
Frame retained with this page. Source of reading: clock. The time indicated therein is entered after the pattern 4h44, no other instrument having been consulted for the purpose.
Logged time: 1h35
